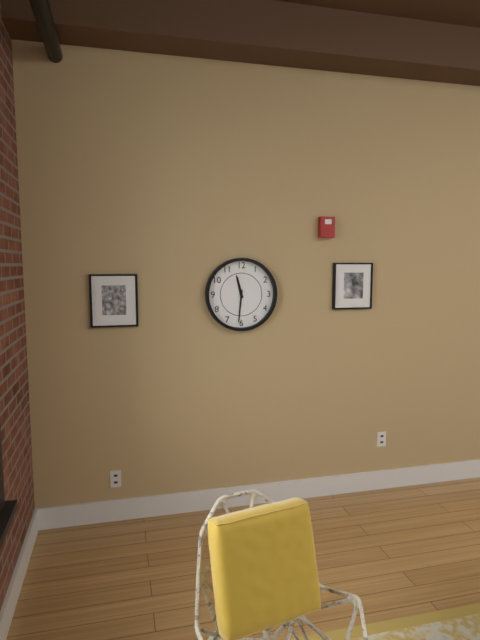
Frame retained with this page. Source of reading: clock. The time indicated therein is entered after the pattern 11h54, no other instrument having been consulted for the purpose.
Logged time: 11h31
